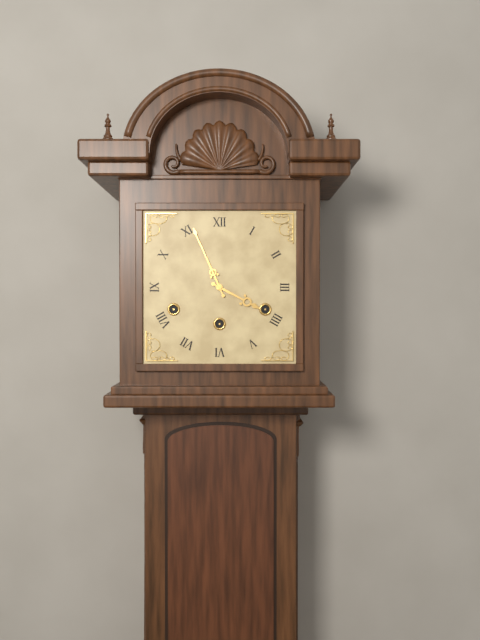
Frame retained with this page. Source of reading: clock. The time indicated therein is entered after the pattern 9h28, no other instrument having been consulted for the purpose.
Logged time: 3h56
